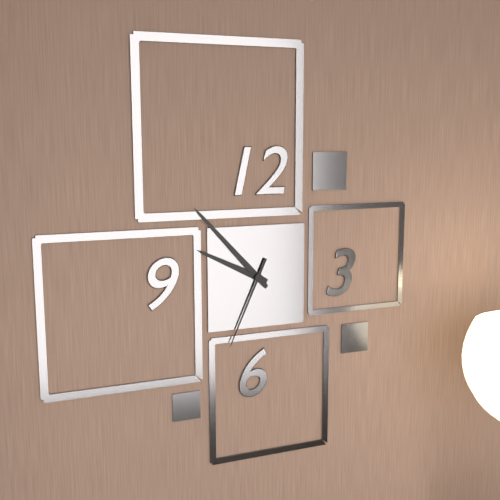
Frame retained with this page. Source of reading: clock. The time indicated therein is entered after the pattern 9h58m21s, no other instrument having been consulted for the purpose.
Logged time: 9h53m34s
